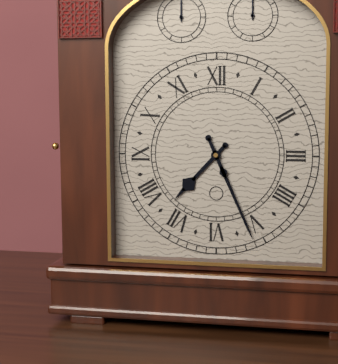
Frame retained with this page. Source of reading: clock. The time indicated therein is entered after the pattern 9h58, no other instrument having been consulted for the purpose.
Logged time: 7h26
